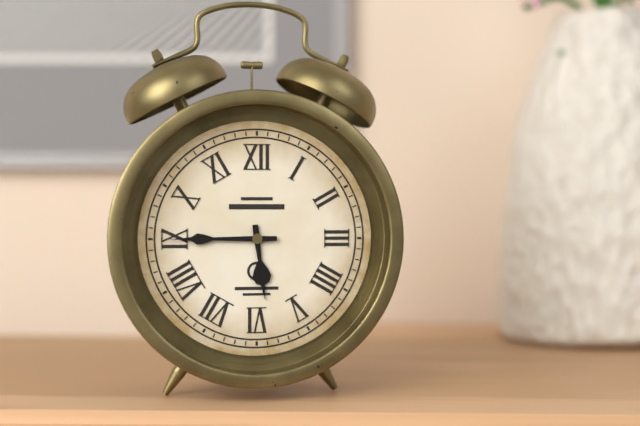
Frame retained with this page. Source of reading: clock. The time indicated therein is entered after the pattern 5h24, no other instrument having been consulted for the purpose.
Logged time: 5h45
